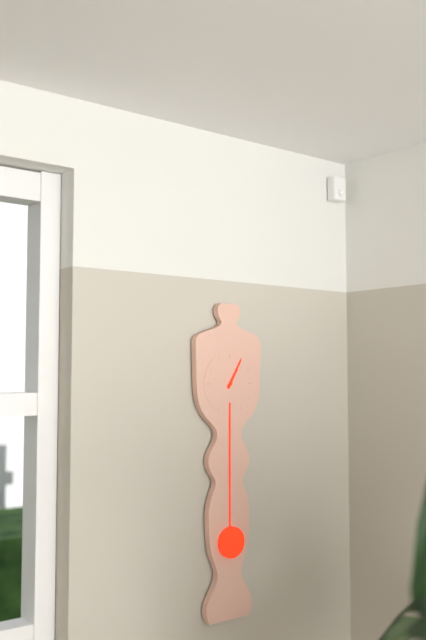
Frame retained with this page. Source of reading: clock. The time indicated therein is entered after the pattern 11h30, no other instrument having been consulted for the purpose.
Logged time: 1h05
